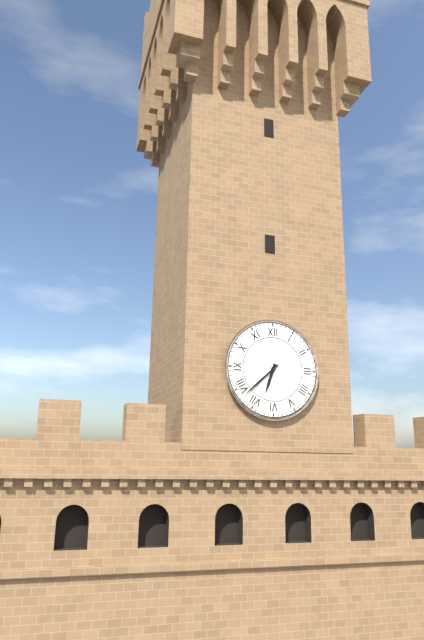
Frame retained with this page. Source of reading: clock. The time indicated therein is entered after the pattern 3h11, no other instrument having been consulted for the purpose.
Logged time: 6h38
